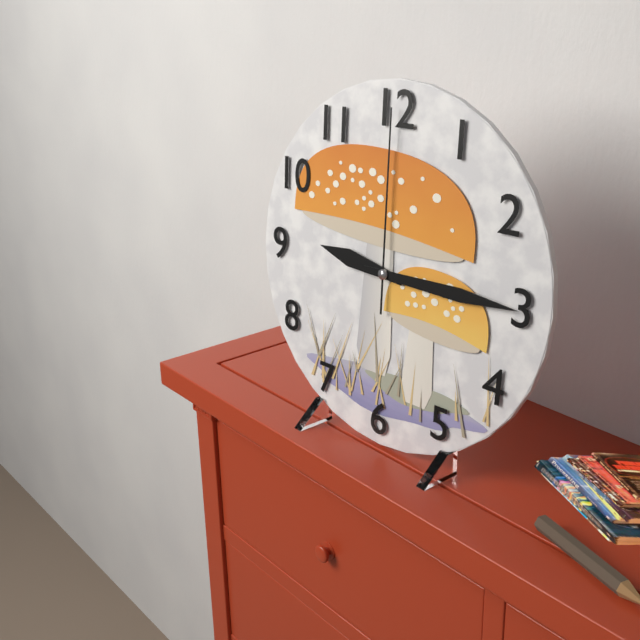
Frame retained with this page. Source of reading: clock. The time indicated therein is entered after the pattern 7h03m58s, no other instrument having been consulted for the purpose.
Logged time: 9h15m00s
